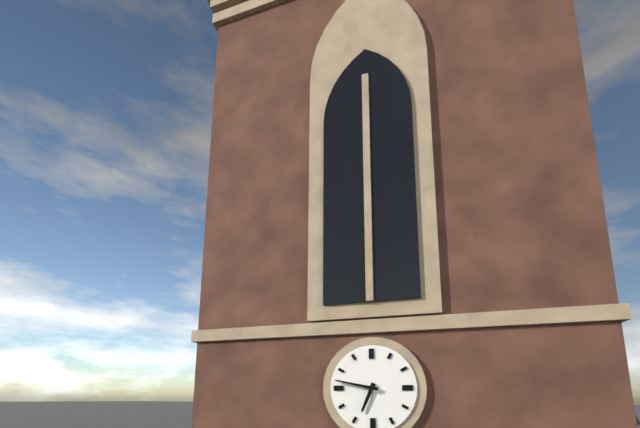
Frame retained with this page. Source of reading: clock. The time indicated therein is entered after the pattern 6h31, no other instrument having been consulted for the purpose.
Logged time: 6h47
